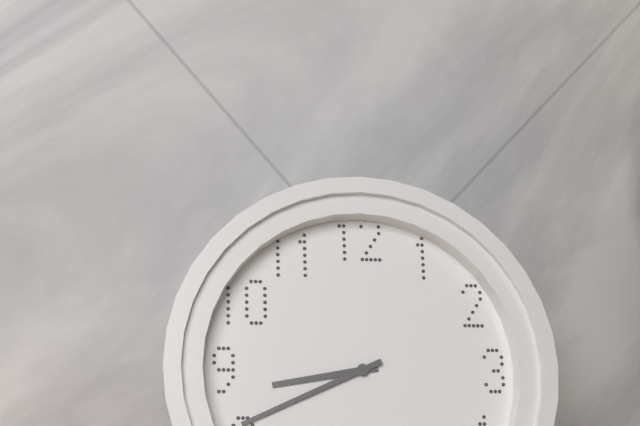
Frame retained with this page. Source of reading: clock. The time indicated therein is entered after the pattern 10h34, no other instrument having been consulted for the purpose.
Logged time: 8h41
